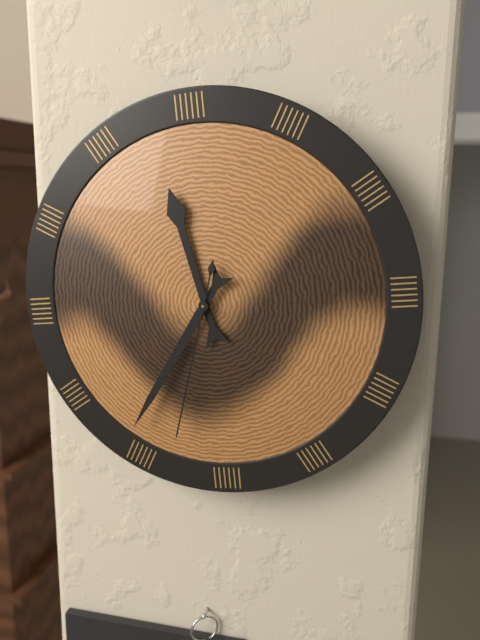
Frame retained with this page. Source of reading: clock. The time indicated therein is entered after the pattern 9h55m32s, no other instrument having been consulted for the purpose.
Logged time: 11h36m33s
